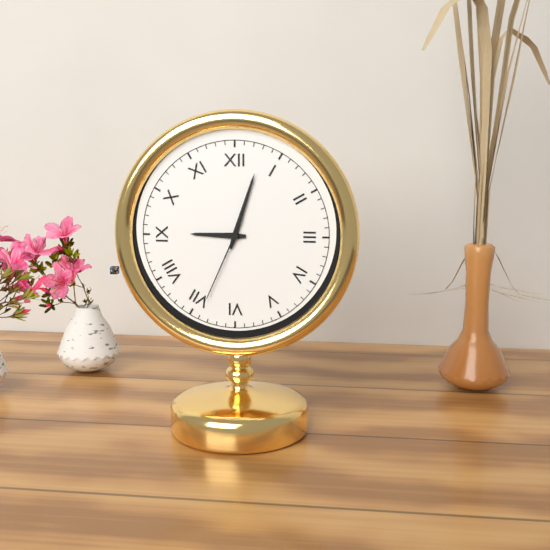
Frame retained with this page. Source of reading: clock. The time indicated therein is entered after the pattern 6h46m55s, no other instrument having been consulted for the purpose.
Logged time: 9h03m34s
